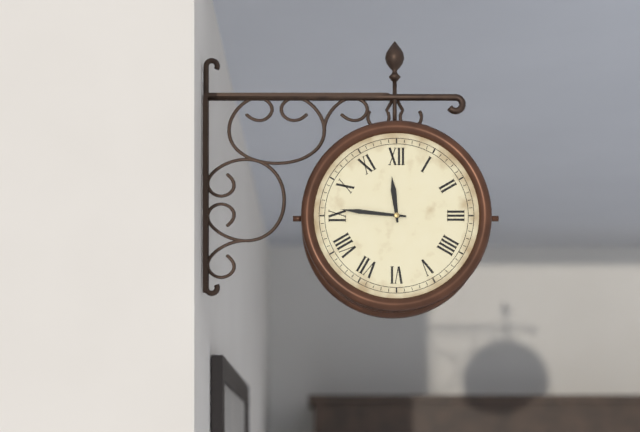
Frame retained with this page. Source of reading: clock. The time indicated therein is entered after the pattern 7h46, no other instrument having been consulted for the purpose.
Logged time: 11h46
